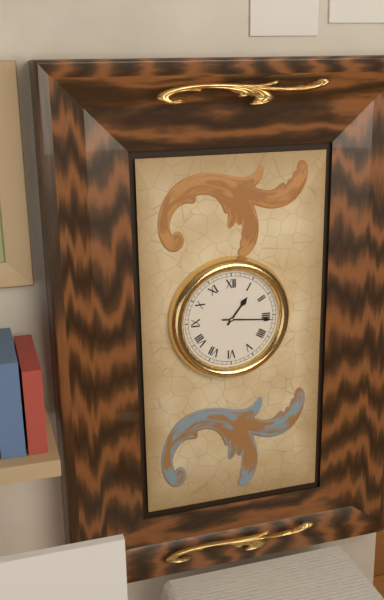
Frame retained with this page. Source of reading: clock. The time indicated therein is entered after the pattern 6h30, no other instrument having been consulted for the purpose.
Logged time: 1h16
